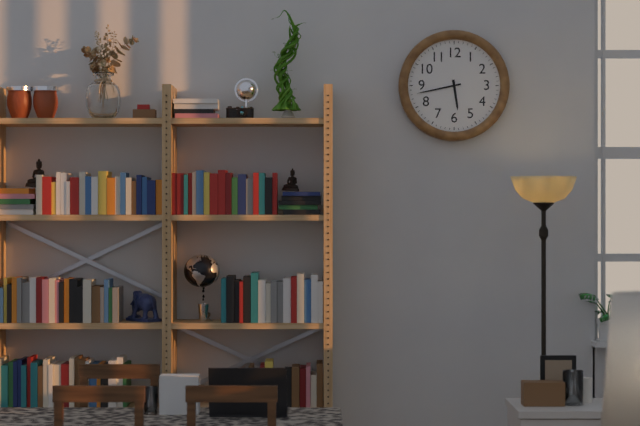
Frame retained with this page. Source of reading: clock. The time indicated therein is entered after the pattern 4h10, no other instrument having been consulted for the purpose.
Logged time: 5h43
